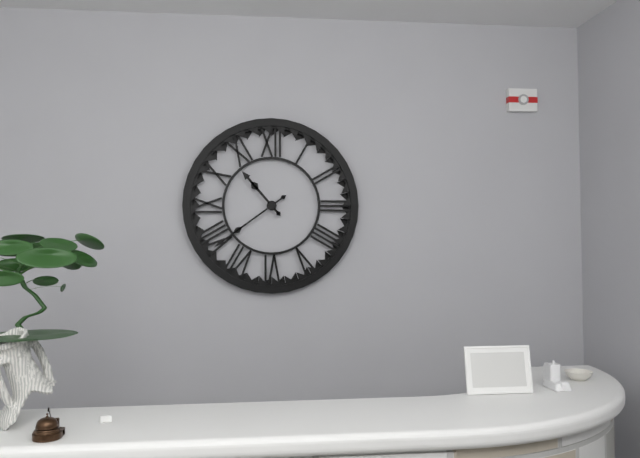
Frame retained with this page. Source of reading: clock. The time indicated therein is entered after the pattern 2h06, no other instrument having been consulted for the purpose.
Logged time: 10h39
